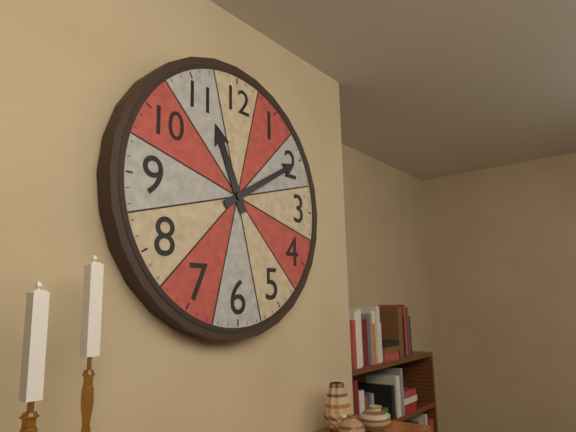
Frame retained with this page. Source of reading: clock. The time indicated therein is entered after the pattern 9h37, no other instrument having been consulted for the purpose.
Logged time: 11h10
